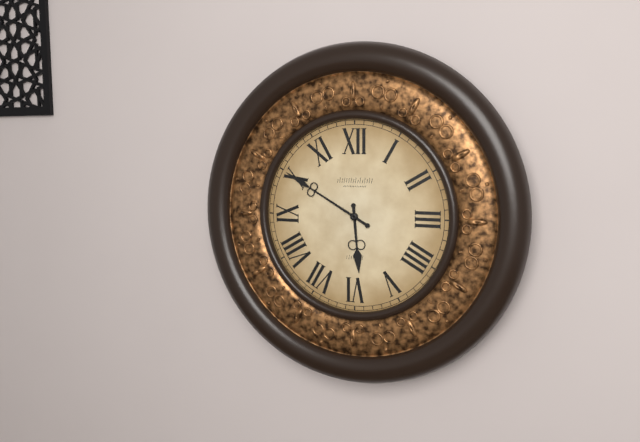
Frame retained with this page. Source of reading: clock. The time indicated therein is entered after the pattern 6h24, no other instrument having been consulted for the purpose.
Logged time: 5h50
